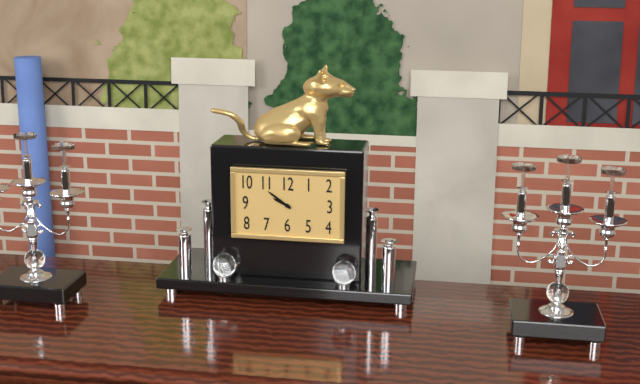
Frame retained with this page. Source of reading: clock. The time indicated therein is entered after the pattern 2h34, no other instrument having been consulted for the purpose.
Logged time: 9h51
